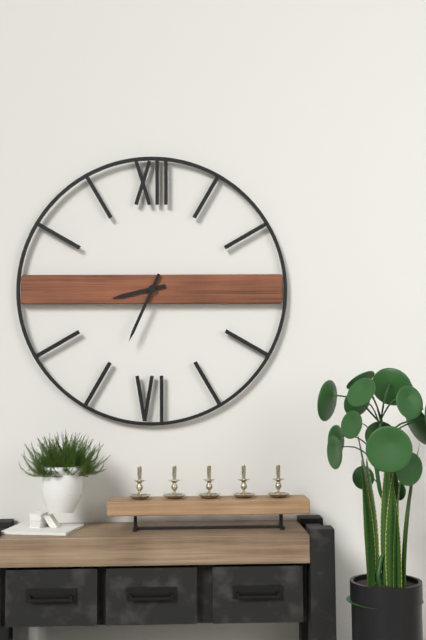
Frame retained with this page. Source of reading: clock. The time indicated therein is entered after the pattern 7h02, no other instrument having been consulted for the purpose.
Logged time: 8h34
